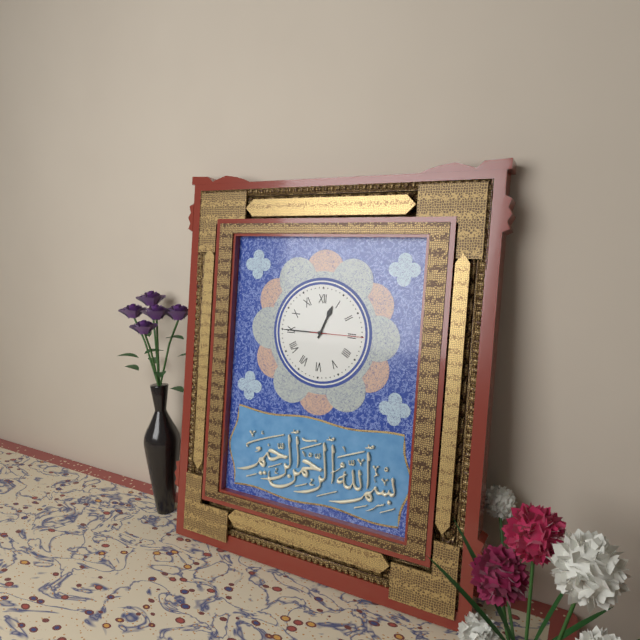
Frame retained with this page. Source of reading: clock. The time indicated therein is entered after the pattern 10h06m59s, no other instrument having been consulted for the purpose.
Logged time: 12h45m15s
